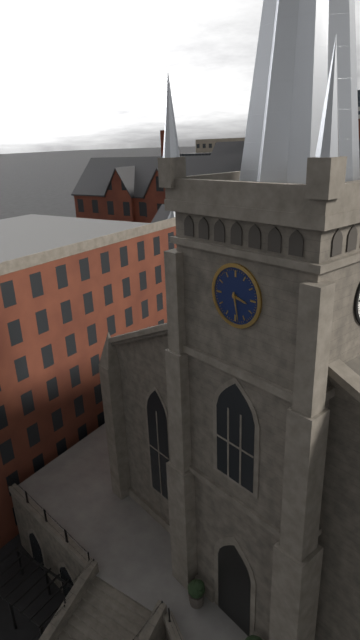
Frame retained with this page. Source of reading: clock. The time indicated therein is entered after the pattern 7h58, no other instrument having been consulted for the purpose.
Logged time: 3h28
